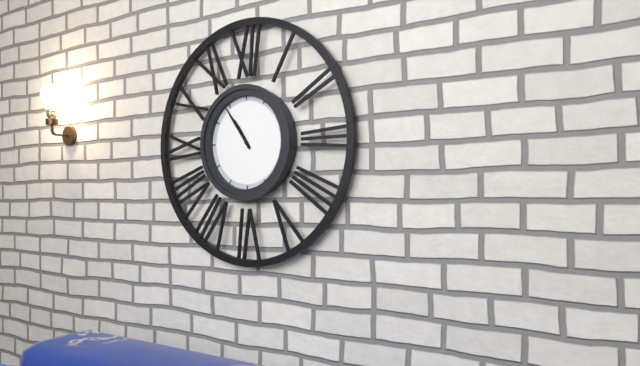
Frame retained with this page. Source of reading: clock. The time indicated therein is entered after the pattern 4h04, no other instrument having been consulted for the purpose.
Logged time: 10h54
